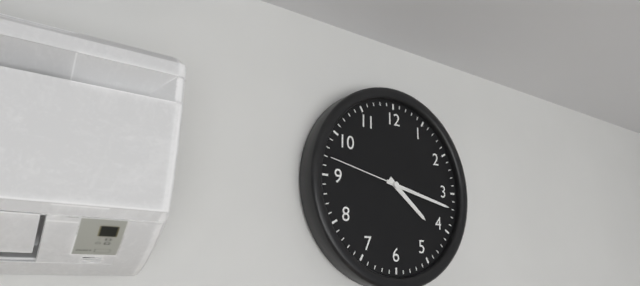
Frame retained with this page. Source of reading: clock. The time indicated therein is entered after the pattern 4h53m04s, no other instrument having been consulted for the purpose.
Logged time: 4h17m47s
